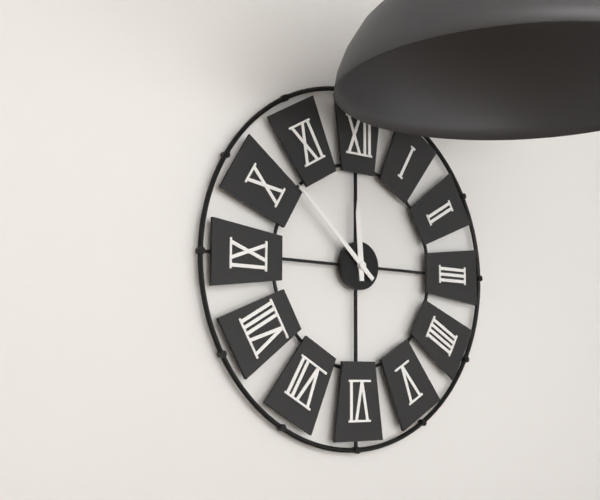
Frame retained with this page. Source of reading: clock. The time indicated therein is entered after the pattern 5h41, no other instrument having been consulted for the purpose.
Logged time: 11h52
